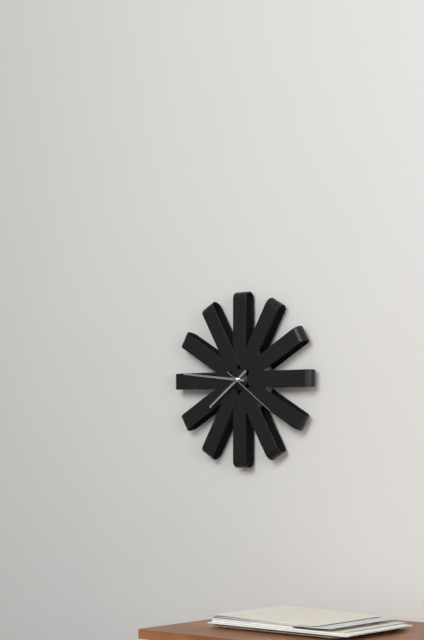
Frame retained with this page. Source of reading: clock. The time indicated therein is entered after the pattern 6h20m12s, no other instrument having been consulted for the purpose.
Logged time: 7h46m21s
